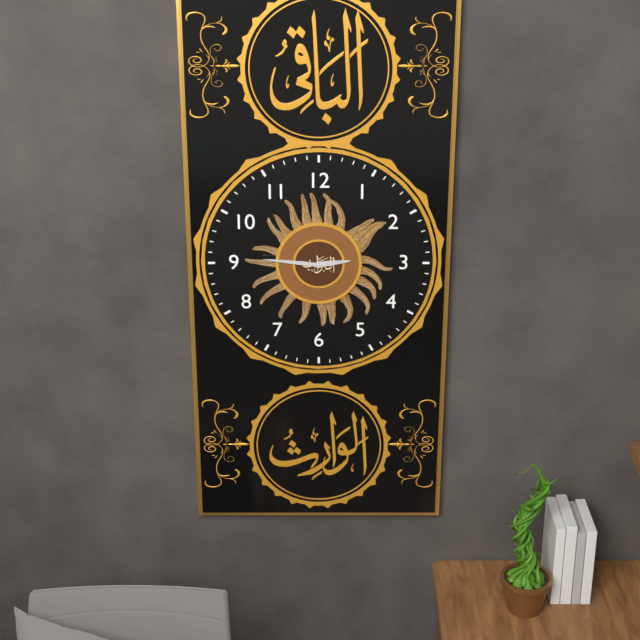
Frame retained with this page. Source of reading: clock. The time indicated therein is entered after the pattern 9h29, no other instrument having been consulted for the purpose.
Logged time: 2h46
